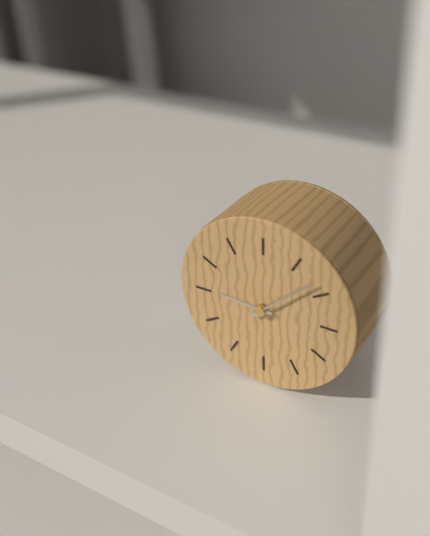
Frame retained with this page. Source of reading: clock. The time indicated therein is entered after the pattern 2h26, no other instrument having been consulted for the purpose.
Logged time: 9h08
